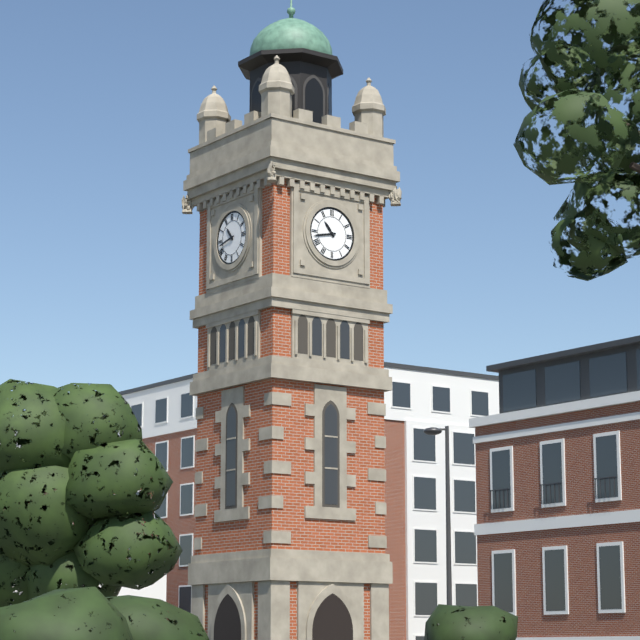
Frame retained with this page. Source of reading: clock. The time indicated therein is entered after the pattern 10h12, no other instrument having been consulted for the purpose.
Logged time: 10h43
